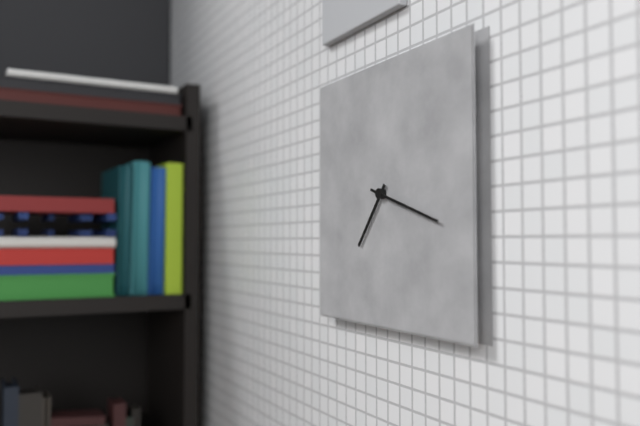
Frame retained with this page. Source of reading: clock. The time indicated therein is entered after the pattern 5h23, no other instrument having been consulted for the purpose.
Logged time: 7h18
